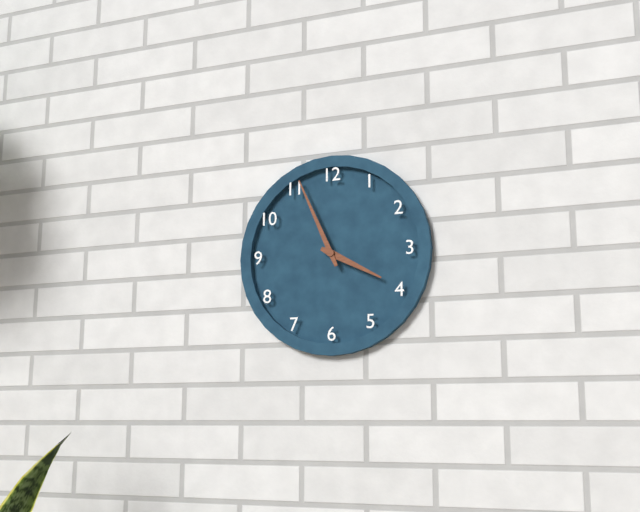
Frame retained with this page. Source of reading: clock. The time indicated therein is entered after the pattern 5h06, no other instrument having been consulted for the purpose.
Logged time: 3h56
